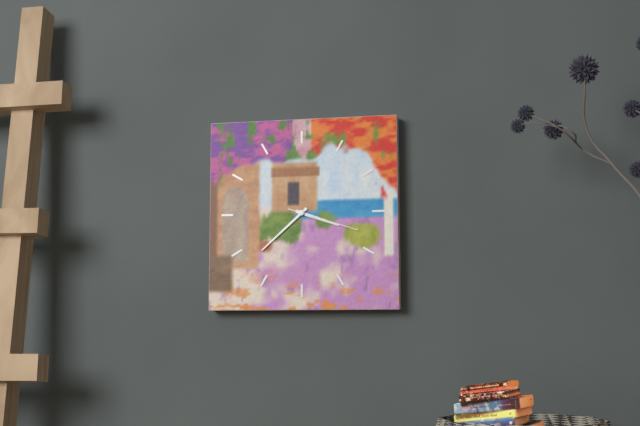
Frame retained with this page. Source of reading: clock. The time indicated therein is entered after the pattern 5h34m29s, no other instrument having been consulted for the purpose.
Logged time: 3h38m18s
